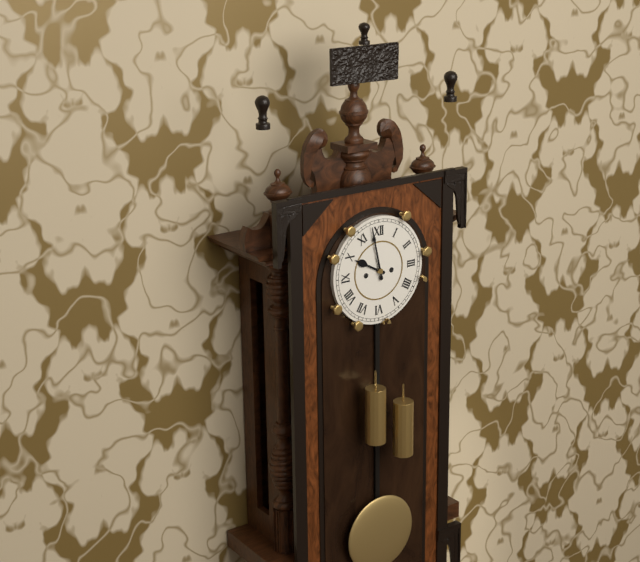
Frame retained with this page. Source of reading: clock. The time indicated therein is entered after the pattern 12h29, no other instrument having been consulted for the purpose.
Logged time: 9h58
